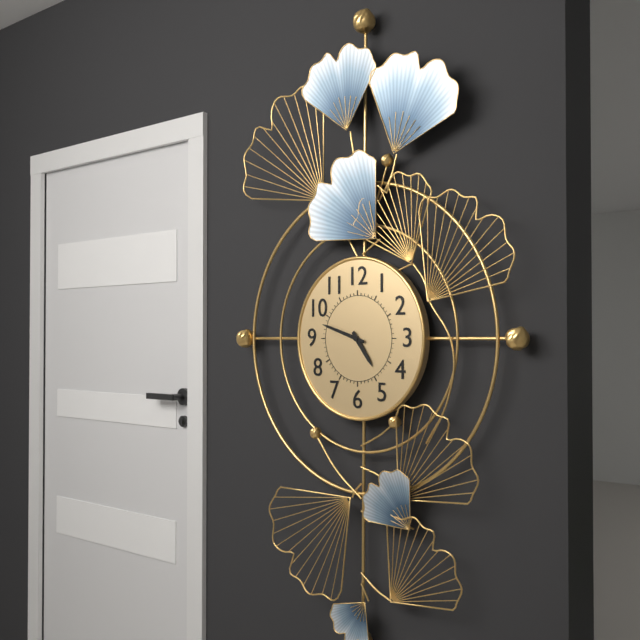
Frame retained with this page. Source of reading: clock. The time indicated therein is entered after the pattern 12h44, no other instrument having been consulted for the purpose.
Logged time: 4h48
